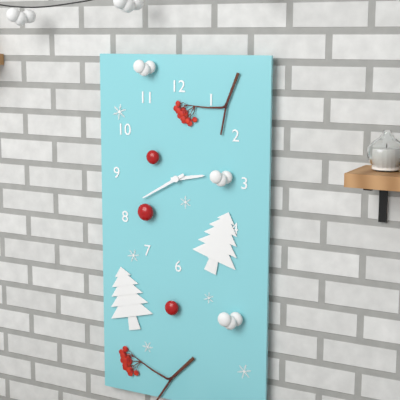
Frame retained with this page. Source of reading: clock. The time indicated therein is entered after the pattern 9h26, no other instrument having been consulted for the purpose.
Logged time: 2h40
